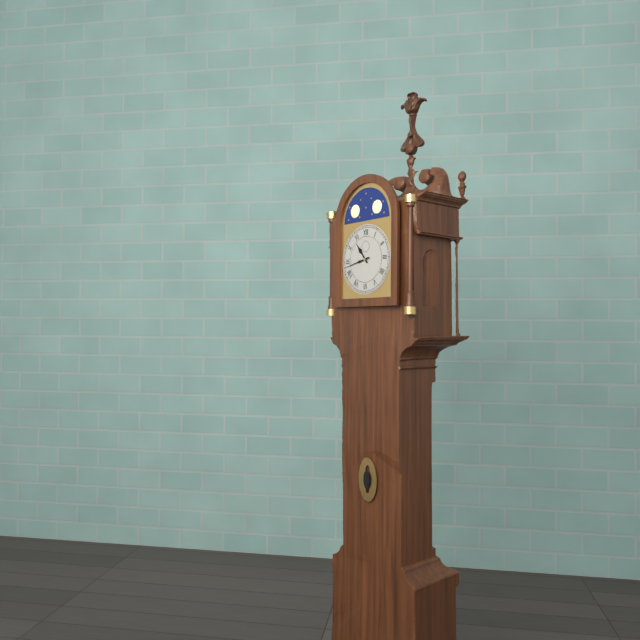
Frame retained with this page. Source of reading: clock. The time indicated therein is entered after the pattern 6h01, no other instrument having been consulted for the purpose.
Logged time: 10h43
